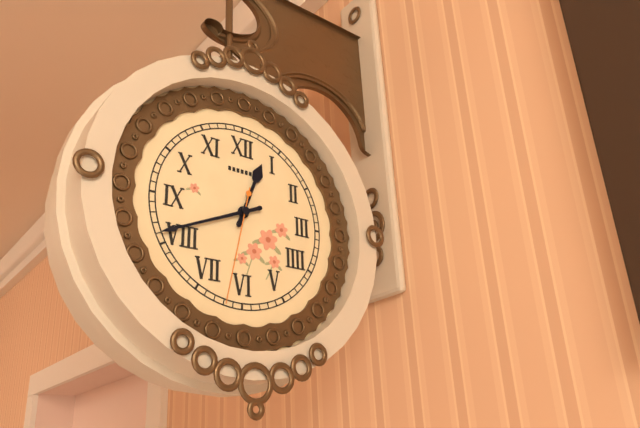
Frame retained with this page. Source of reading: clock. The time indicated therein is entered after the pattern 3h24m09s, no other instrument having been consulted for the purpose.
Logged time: 12h41m32s
